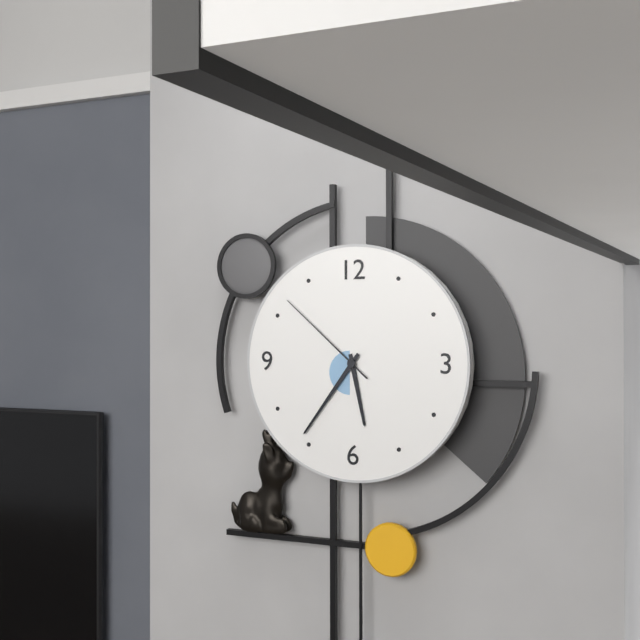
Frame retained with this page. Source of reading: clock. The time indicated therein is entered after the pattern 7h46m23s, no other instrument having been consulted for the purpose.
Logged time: 5h36m52s
